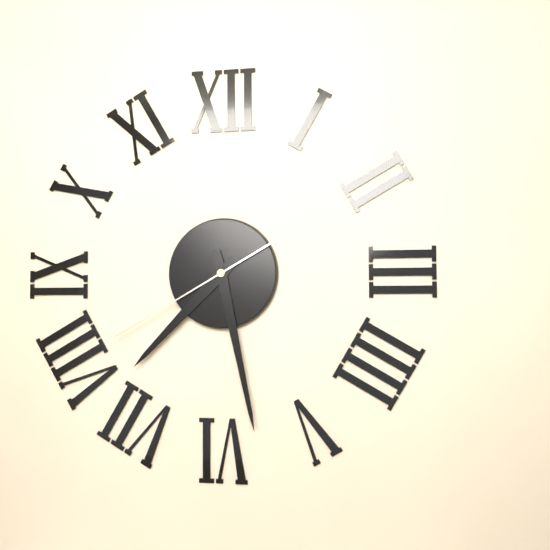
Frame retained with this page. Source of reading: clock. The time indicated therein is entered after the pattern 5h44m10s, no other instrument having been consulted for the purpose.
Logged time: 7h28m40s
